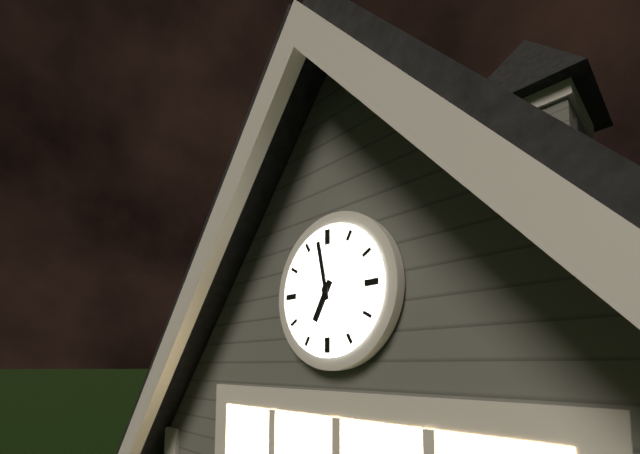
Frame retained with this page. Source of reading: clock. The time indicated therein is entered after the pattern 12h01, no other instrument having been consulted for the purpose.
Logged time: 6h58
